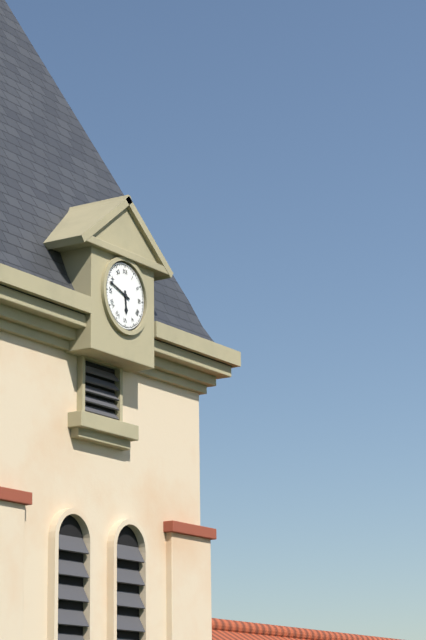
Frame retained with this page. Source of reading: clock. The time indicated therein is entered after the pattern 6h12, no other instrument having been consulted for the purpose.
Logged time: 5h48
